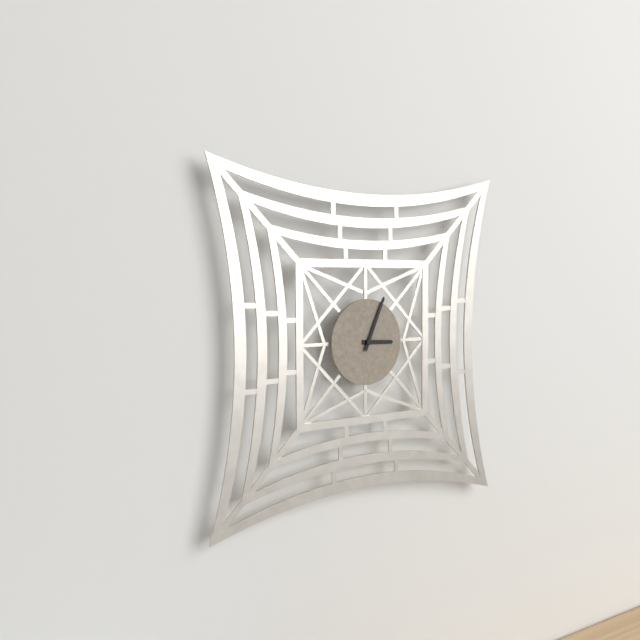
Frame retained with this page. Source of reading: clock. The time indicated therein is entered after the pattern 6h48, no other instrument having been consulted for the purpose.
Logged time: 3h04
